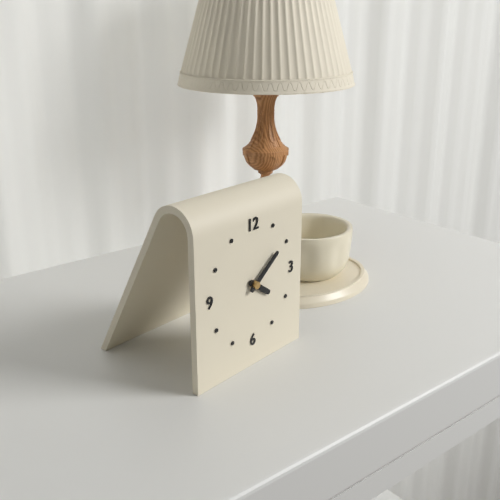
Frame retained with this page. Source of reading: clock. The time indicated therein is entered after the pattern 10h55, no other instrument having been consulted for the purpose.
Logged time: 4h09
